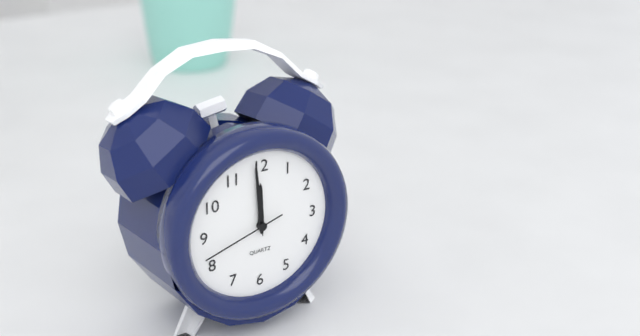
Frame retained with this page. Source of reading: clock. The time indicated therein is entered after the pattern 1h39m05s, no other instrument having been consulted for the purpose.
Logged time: 11h59m42s
